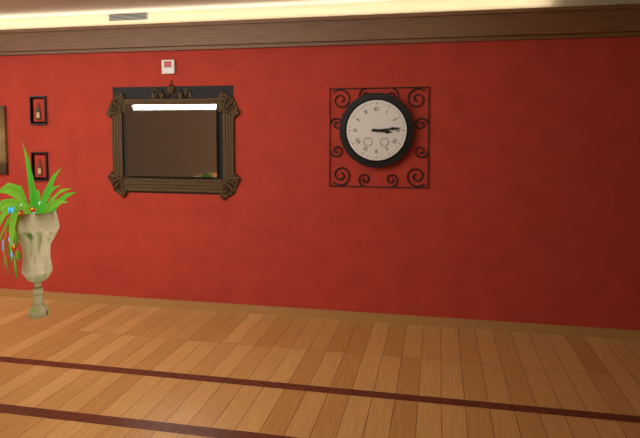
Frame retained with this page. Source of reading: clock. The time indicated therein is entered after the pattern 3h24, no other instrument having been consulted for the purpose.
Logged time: 3h14
